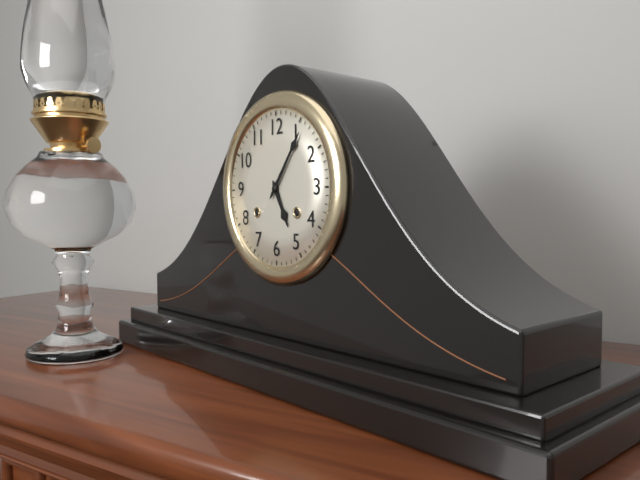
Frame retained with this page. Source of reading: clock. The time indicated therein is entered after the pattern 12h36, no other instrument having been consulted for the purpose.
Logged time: 5h06
